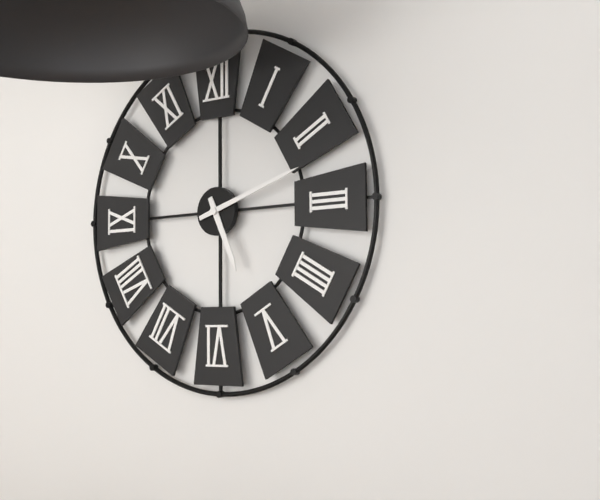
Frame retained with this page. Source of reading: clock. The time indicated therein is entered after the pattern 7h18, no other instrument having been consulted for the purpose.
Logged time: 5h12
